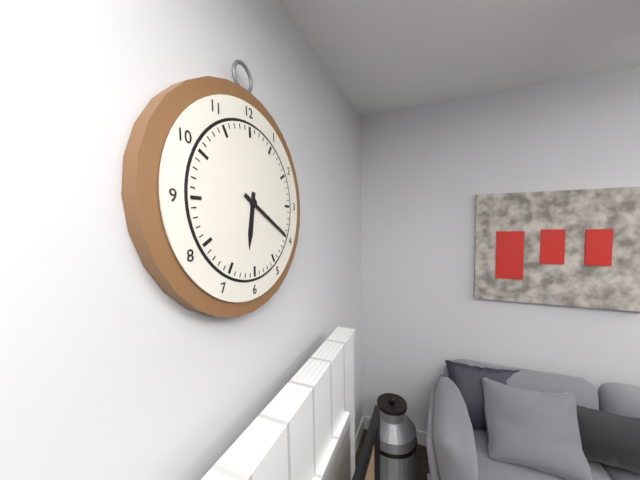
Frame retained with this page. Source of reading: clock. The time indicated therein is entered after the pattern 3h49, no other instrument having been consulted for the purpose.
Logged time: 6h20
